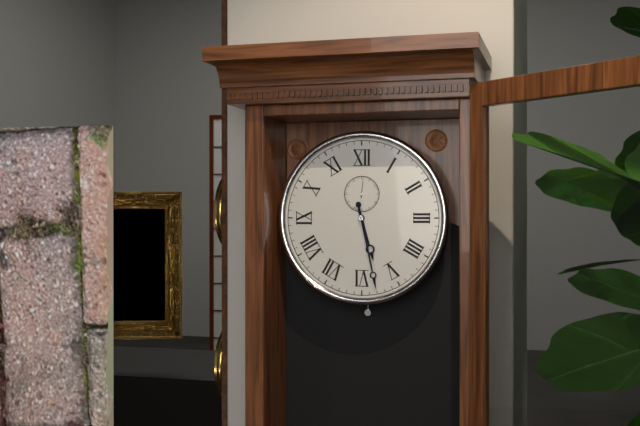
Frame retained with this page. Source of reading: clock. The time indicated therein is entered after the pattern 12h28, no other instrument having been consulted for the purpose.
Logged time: 5h28
